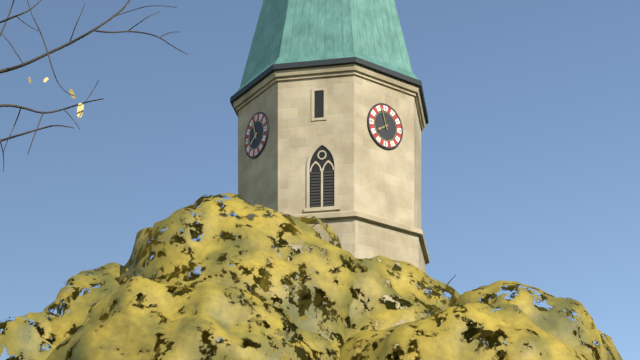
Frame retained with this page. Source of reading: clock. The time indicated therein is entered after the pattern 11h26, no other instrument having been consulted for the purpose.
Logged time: 7h57
